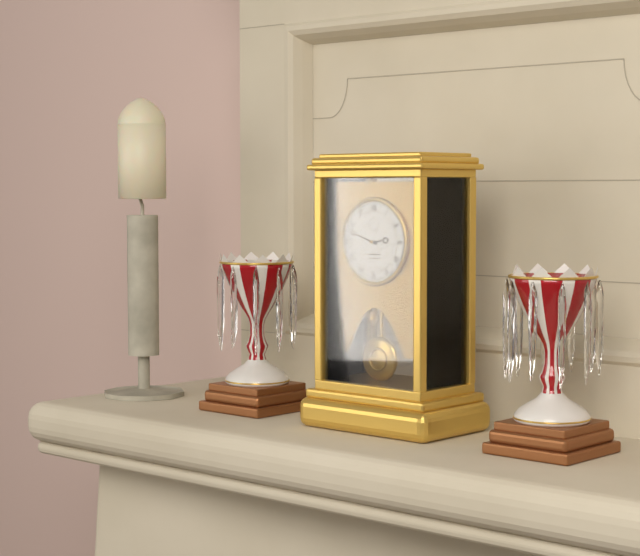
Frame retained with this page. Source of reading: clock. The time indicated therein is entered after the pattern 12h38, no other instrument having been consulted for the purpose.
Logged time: 2h48
